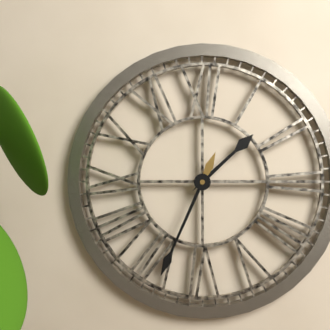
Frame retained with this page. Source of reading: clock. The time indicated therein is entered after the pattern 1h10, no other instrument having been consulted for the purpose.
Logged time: 1h34
